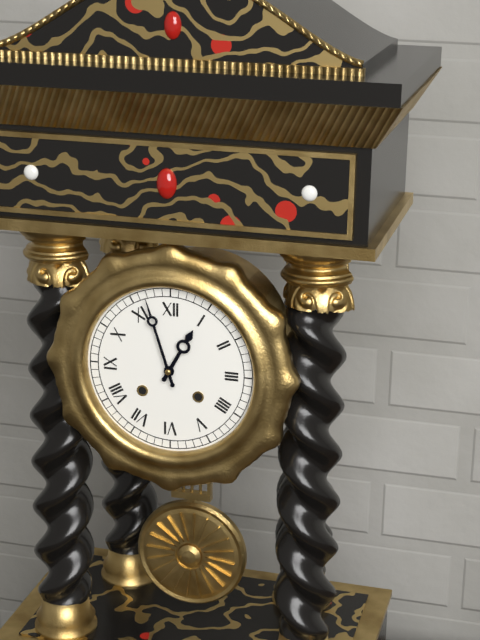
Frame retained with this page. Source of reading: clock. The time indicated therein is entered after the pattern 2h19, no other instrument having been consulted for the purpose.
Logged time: 12h57
